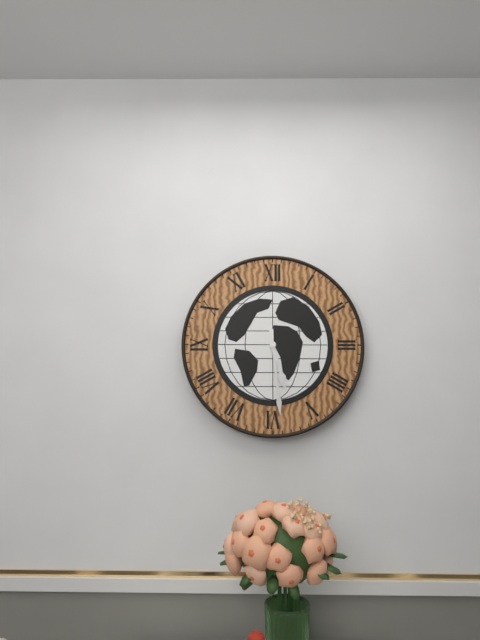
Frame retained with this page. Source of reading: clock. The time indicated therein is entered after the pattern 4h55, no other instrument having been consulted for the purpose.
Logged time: 5h29
